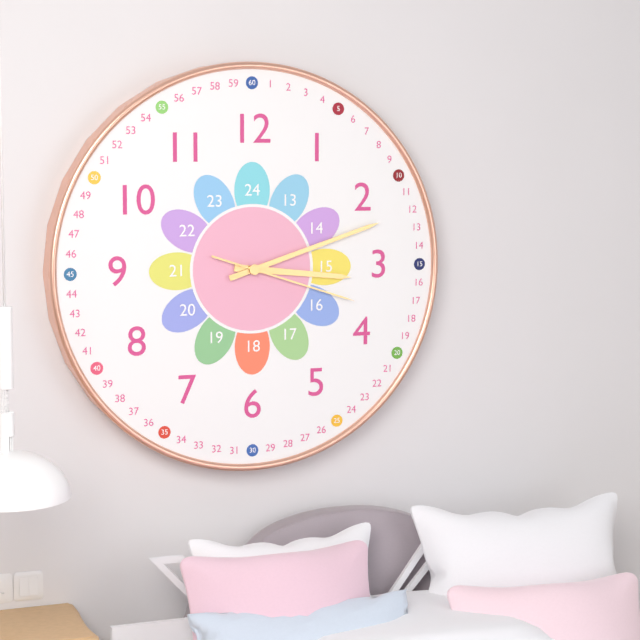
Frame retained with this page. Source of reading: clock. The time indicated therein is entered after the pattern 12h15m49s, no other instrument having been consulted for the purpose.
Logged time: 3h12m18s
